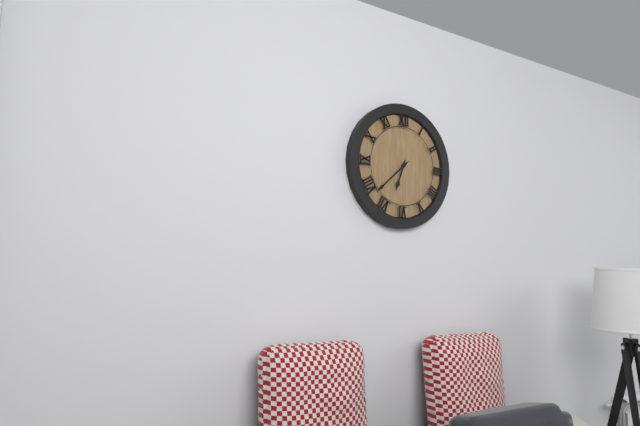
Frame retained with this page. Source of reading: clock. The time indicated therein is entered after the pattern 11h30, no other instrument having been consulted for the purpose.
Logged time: 6h38
